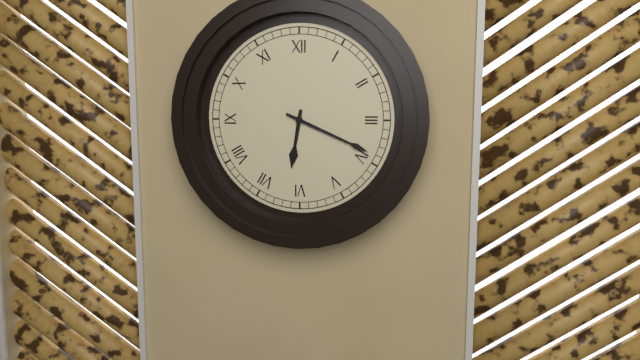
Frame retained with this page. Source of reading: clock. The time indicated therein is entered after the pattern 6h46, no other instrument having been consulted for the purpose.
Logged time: 6h19
